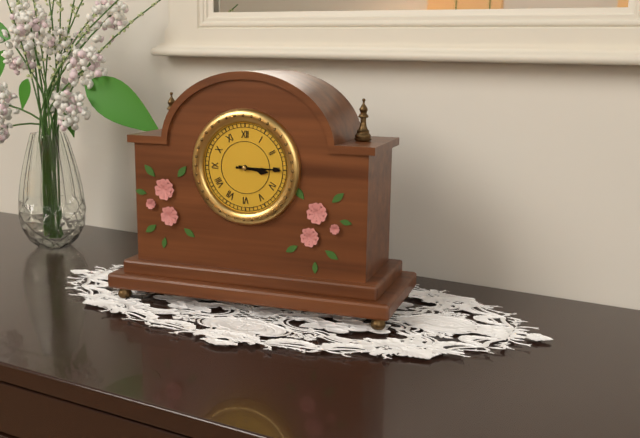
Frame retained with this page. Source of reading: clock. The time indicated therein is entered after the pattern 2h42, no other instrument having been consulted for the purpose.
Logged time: 3h15
